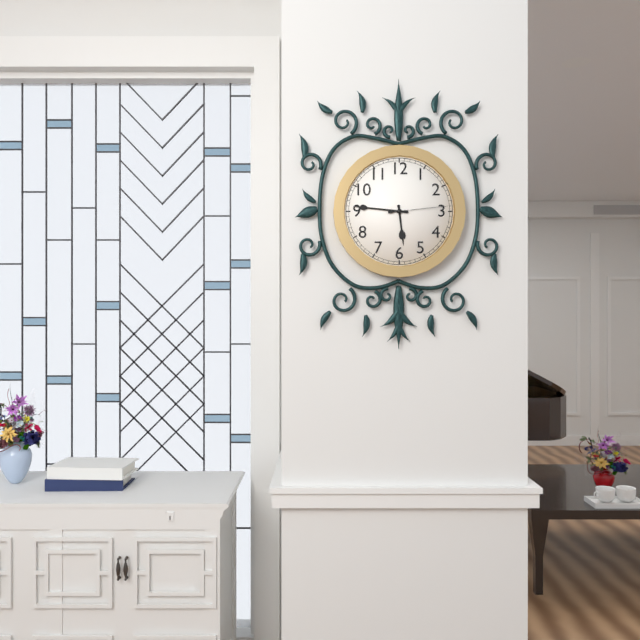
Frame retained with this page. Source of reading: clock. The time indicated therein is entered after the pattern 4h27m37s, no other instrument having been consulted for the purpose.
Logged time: 5h46m14s
